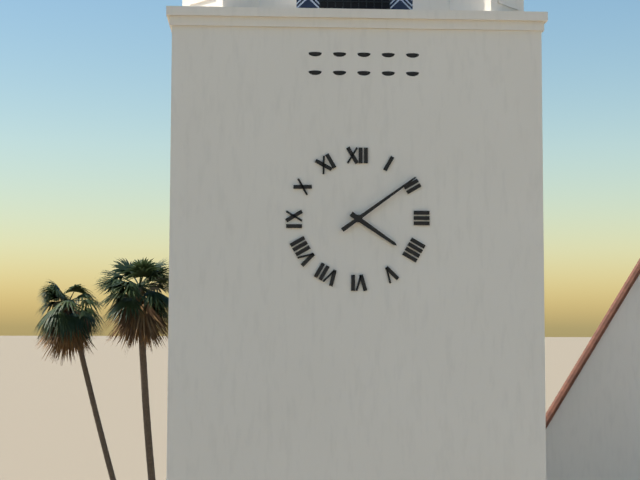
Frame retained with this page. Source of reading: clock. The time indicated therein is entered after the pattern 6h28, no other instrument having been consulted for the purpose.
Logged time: 4h09
